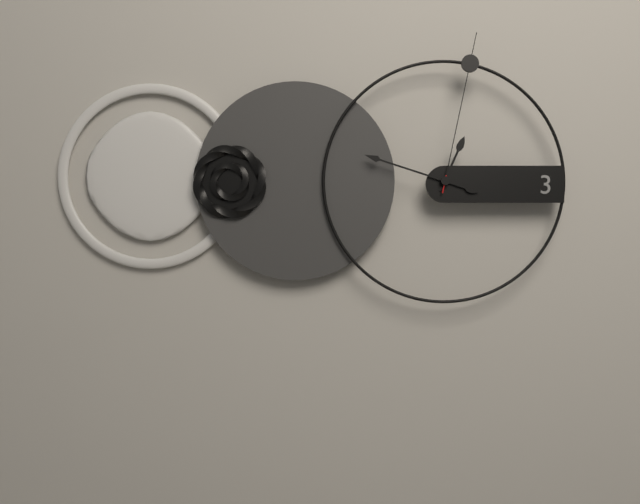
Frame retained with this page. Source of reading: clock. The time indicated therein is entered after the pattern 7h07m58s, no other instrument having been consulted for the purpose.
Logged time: 12h48m02s
